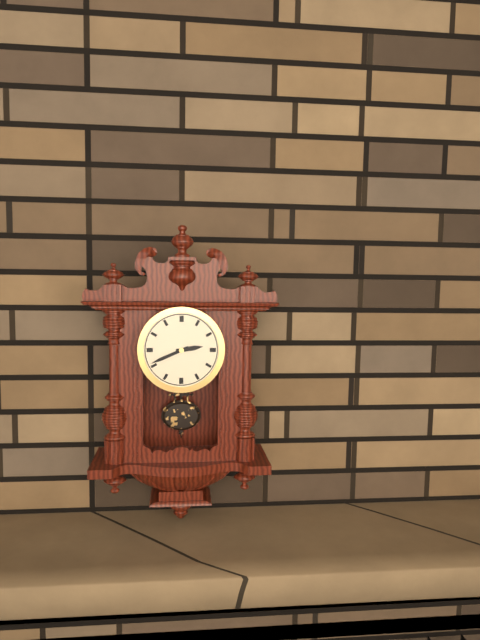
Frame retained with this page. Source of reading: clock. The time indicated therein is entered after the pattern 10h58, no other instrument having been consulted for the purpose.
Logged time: 2h41
